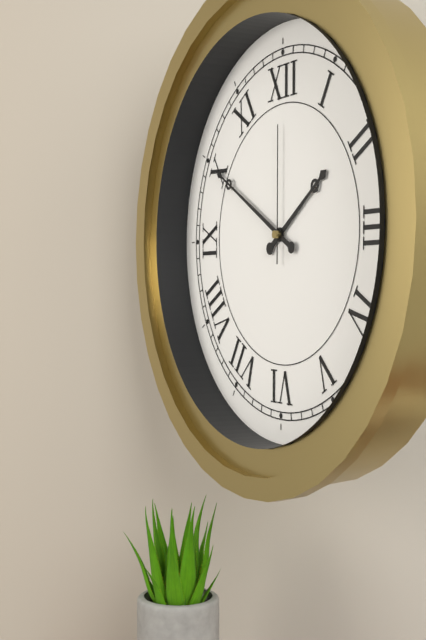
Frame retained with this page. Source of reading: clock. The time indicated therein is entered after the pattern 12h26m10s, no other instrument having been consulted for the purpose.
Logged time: 1h50m00s
